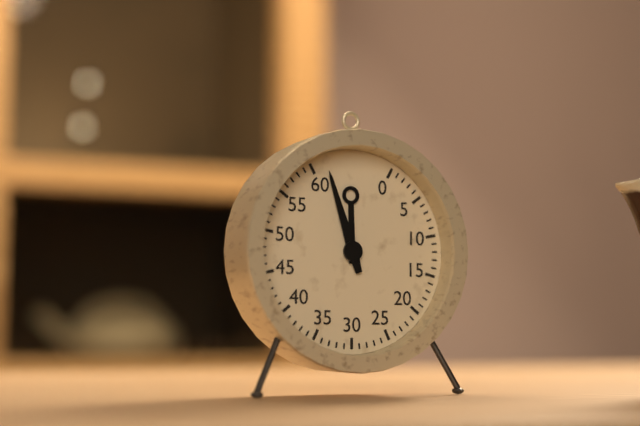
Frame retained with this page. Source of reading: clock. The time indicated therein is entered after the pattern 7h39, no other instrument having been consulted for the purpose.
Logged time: 11h57
